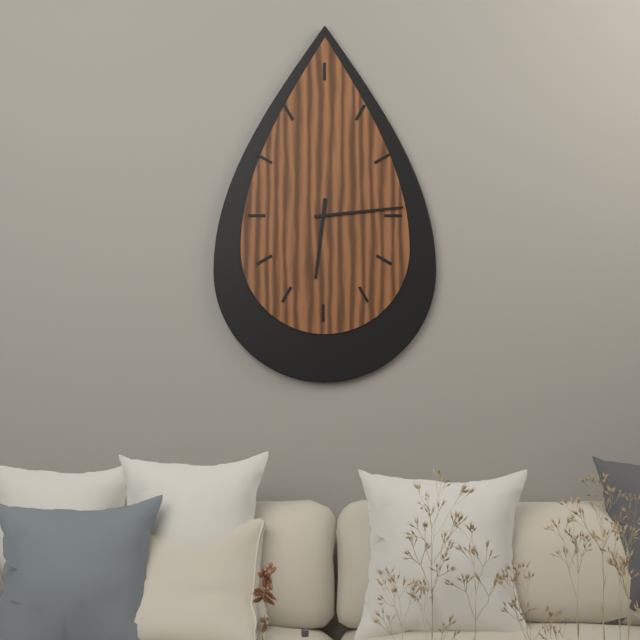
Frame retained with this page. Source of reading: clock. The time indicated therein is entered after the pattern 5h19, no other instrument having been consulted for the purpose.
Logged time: 6h14
